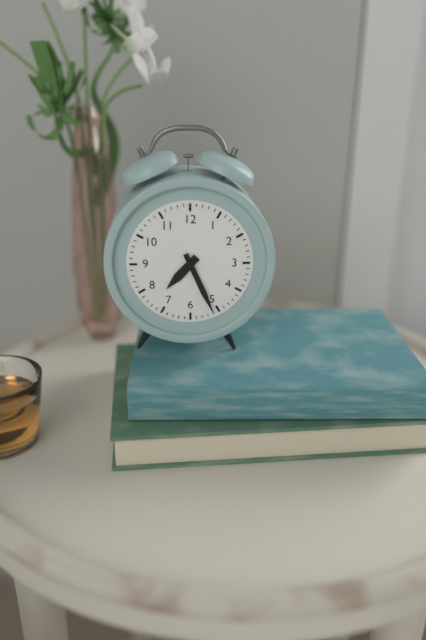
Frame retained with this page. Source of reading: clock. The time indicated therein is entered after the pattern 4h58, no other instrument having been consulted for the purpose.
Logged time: 7h26
